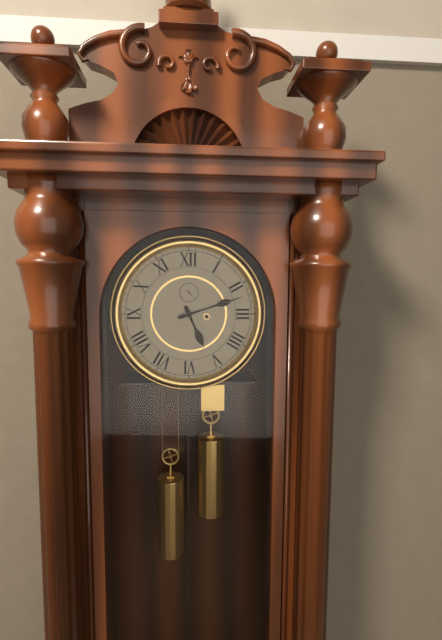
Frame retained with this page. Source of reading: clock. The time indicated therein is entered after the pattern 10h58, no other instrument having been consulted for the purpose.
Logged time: 5h12
